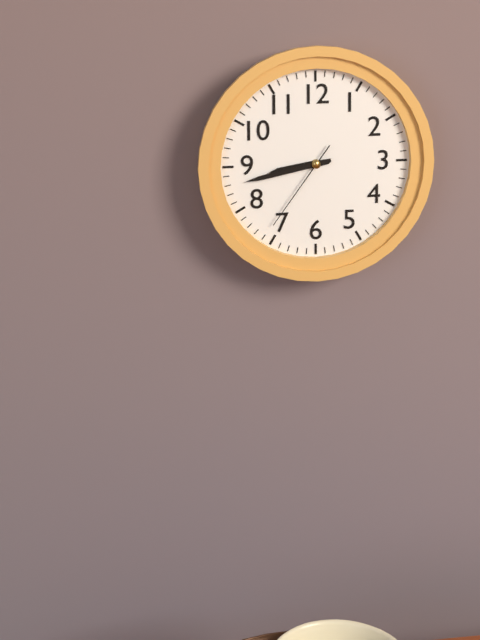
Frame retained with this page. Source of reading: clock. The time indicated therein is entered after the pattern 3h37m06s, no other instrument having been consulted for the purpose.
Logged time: 8h43m36s
